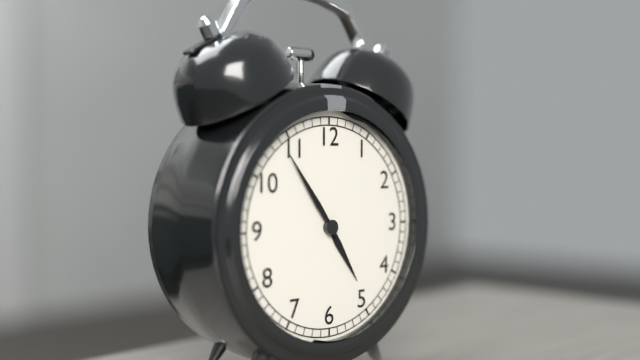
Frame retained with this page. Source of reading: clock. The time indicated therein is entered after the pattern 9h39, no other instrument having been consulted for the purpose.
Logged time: 4h54
